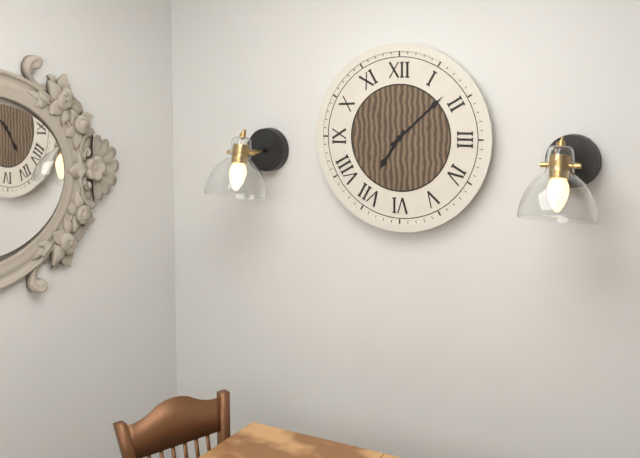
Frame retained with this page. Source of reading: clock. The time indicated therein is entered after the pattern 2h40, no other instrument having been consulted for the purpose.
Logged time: 7h08
